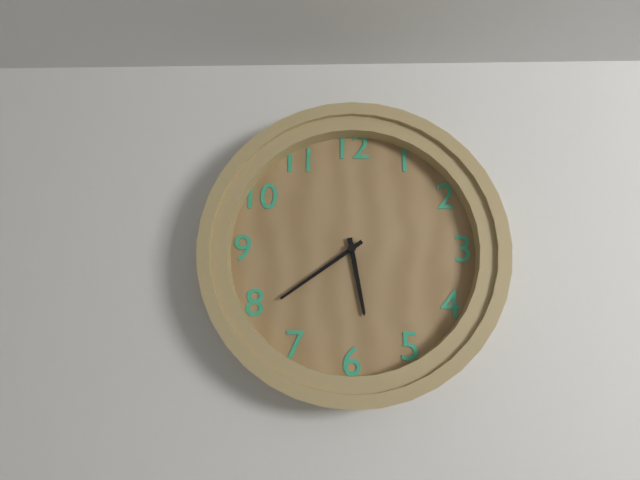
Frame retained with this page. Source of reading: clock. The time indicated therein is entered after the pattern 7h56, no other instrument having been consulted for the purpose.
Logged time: 5h39
